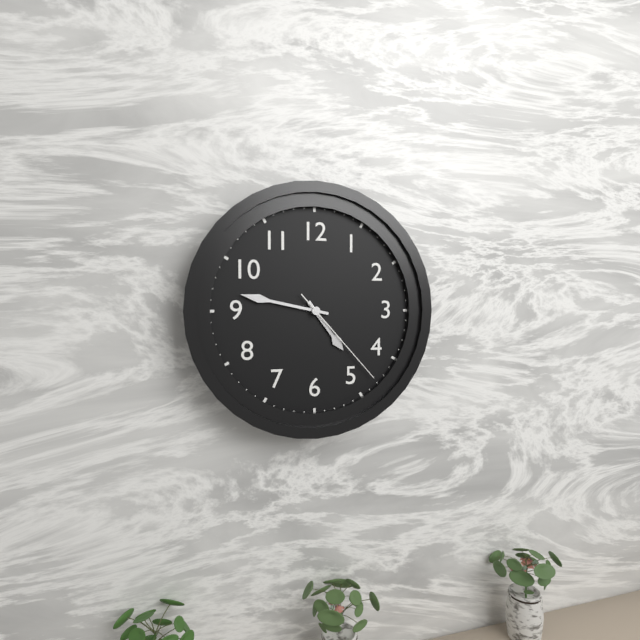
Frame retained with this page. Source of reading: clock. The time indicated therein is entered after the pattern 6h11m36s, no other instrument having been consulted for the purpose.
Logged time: 4h47m23s
